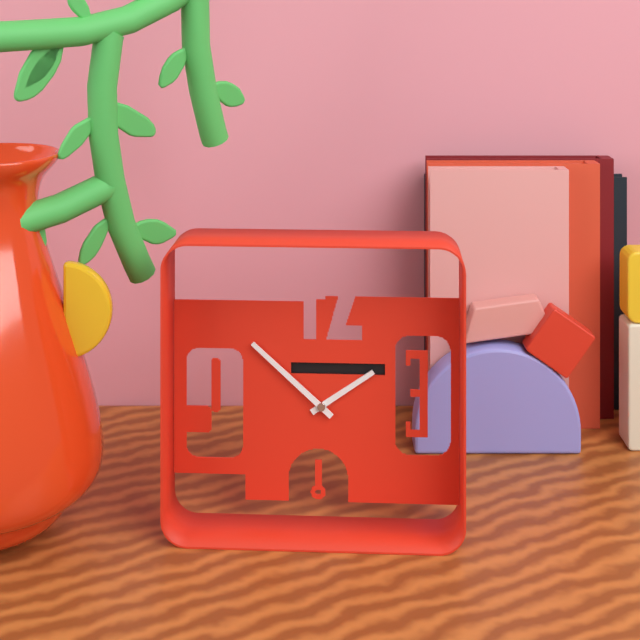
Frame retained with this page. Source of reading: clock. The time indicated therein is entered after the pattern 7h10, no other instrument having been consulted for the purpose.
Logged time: 1h52
